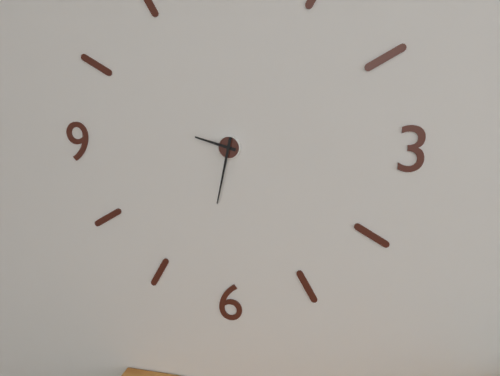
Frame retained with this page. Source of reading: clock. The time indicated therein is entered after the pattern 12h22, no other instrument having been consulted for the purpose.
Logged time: 9h32
